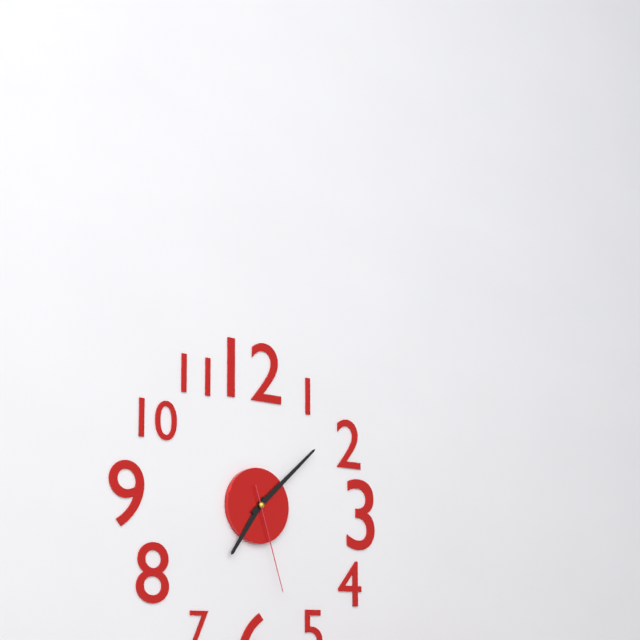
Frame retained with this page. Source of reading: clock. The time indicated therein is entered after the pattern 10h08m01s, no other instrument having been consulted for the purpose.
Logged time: 7h08m27s
